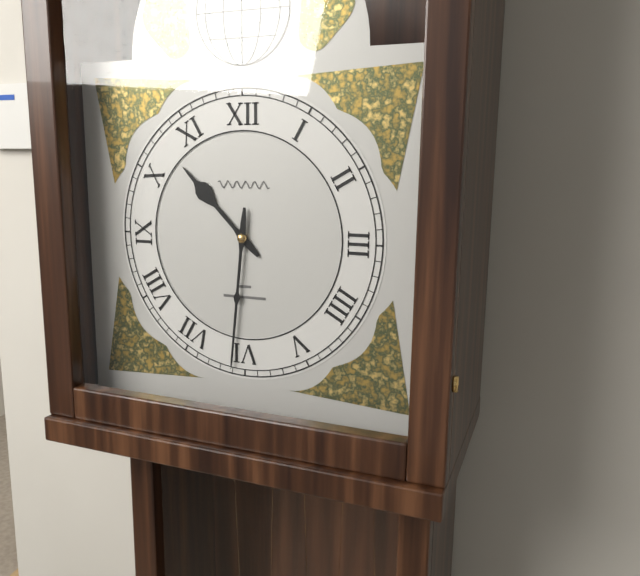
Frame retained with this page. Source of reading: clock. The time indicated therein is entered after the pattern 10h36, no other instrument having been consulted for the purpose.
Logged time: 10h31
